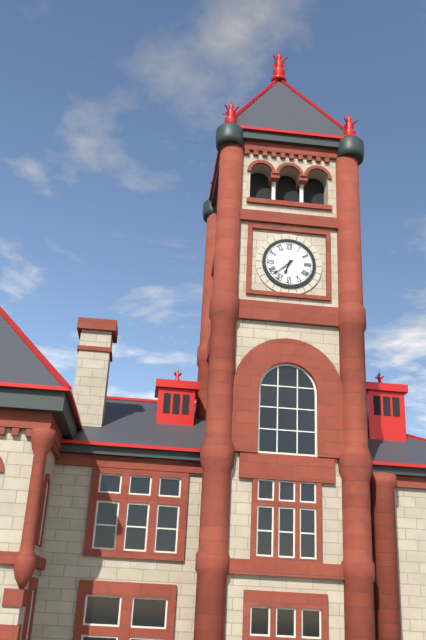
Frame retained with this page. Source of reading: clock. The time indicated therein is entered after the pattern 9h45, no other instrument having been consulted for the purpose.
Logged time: 6h38
